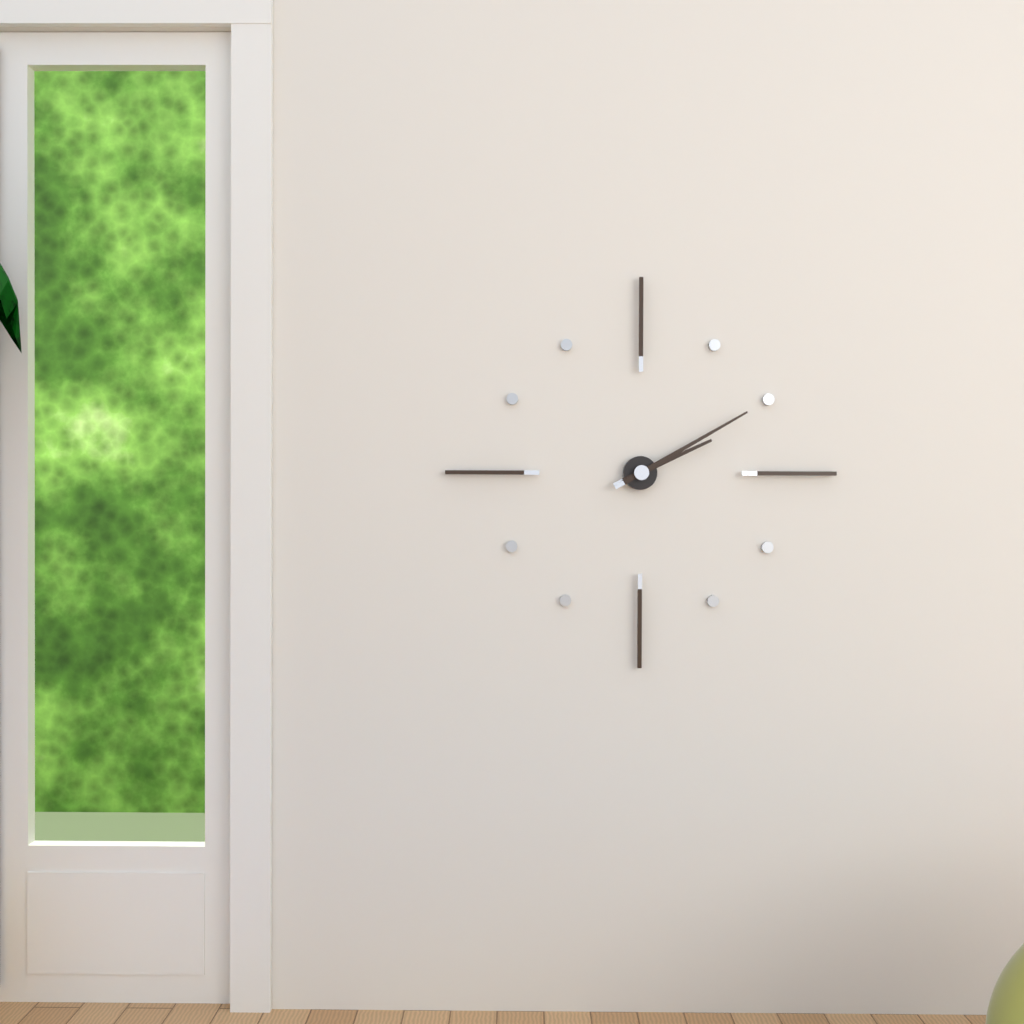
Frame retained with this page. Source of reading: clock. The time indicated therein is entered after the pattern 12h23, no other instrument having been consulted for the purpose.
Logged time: 2h10
